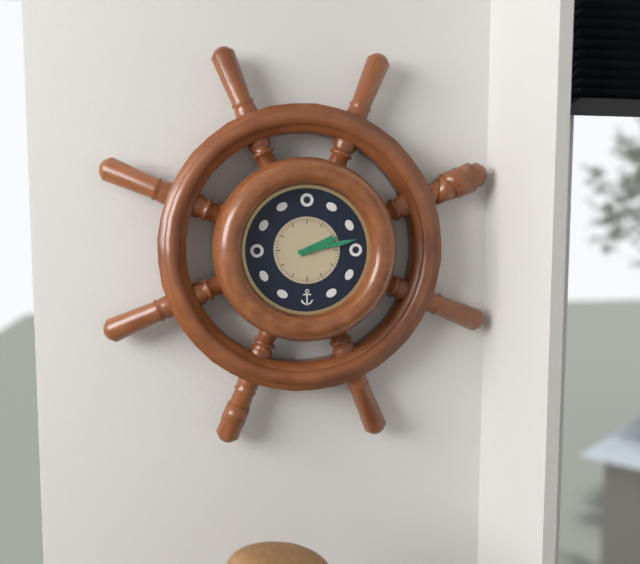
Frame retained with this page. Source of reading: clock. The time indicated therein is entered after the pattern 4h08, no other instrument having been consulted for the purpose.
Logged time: 2h13
